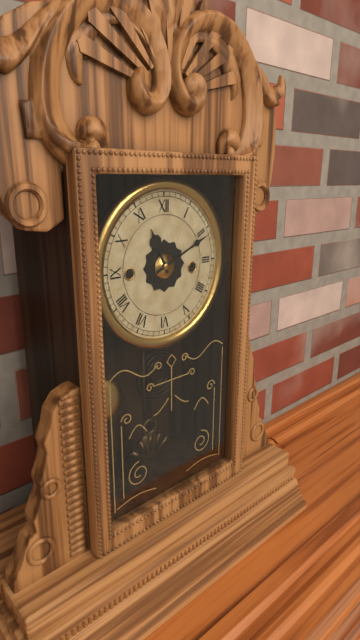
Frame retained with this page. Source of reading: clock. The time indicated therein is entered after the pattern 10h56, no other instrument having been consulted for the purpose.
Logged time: 11h11
